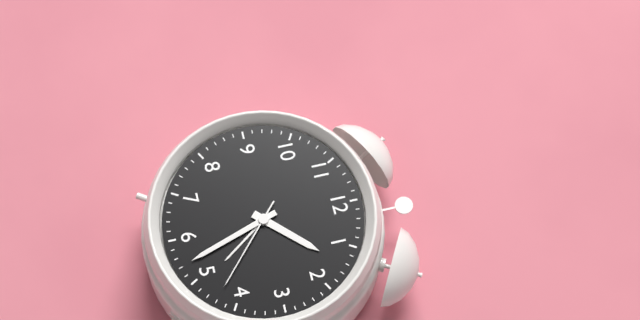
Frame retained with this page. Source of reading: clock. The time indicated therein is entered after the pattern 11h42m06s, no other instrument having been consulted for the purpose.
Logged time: 1h27m22s
